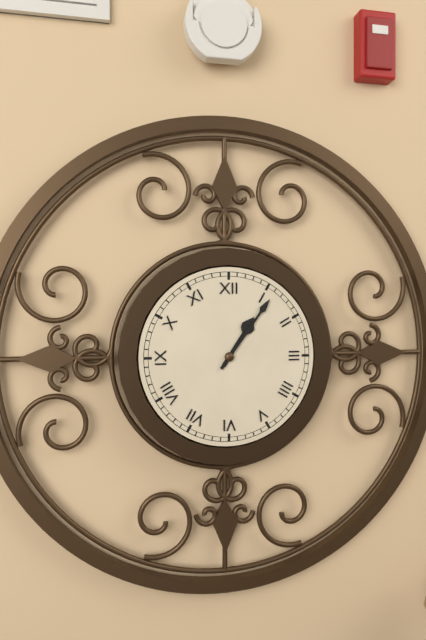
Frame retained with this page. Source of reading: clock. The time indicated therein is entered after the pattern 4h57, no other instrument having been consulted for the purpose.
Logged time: 1h06
